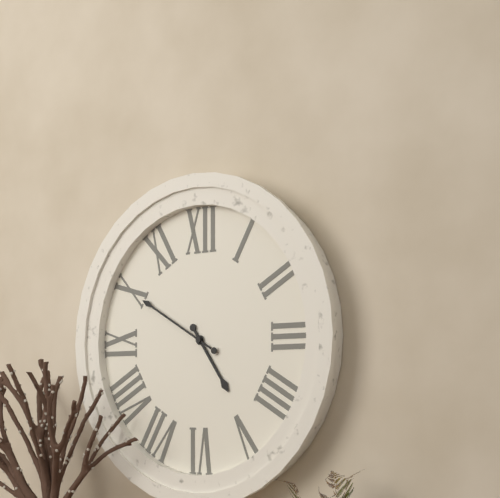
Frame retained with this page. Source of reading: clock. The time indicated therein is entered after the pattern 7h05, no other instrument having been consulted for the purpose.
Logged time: 4h50
